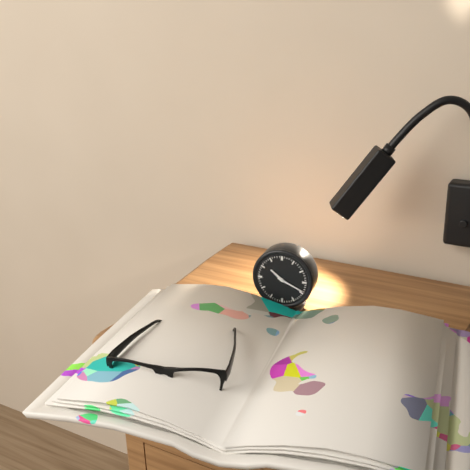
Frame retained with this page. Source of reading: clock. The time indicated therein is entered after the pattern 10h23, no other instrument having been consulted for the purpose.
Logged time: 10h19
